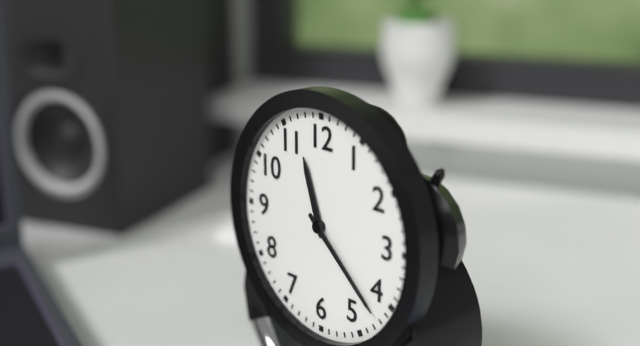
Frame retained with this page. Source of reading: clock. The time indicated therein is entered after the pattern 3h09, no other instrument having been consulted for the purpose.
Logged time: 11h22
